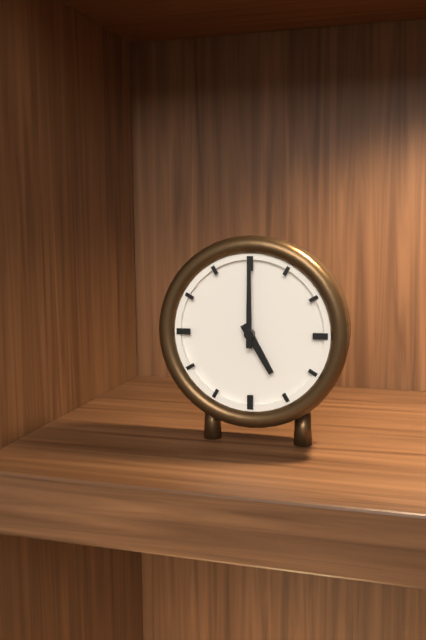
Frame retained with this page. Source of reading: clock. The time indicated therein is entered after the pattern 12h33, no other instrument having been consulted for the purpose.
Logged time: 5h00
